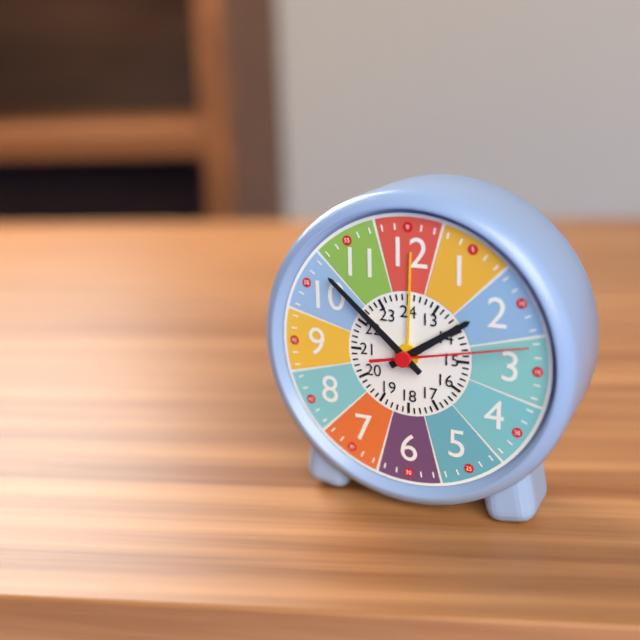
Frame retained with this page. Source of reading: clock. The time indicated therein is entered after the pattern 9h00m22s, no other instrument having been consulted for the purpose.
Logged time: 1h52m13s
